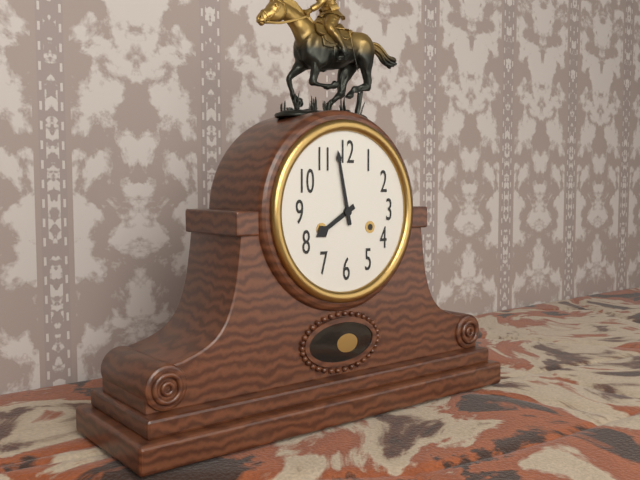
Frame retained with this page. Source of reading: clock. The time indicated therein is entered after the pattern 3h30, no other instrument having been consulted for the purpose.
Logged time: 7h58
